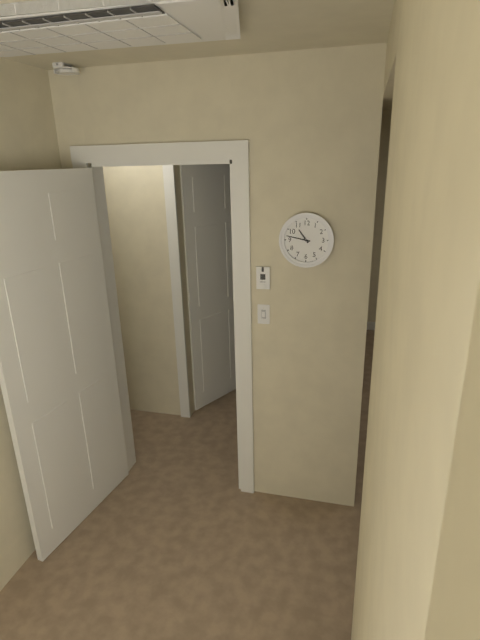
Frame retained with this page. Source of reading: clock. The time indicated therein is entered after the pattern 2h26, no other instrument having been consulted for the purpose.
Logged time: 10h47
